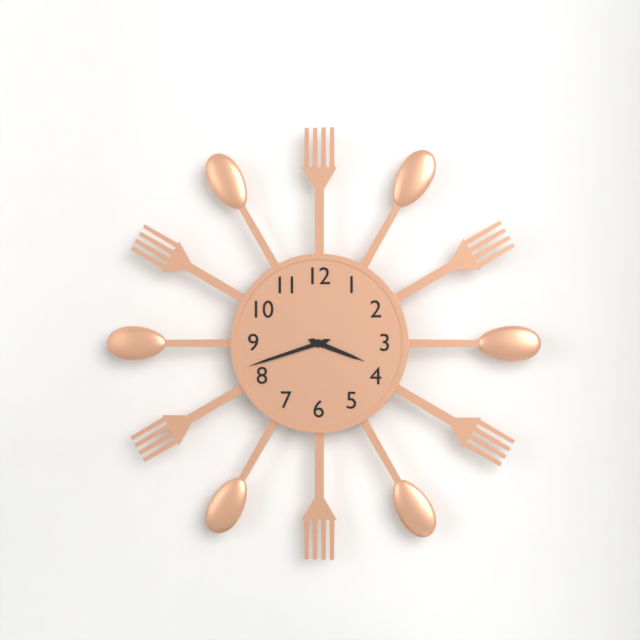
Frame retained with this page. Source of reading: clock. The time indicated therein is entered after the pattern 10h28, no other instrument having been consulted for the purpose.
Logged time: 3h42
